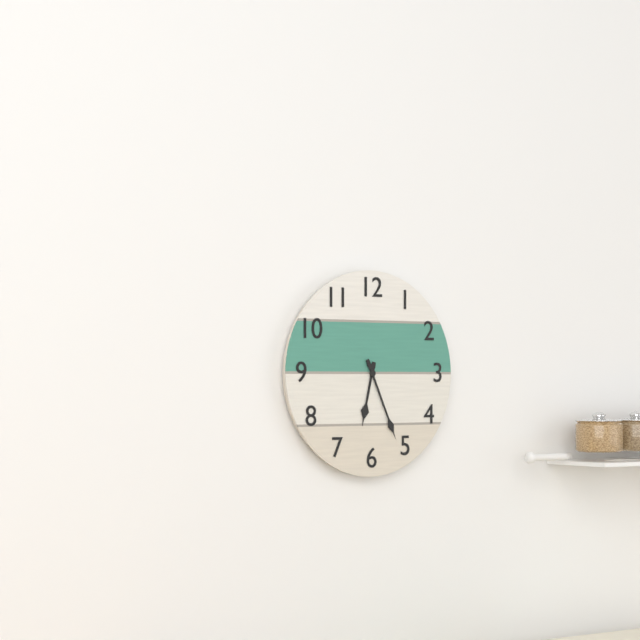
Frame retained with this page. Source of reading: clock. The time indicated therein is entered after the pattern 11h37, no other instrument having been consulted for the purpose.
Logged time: 6h26
